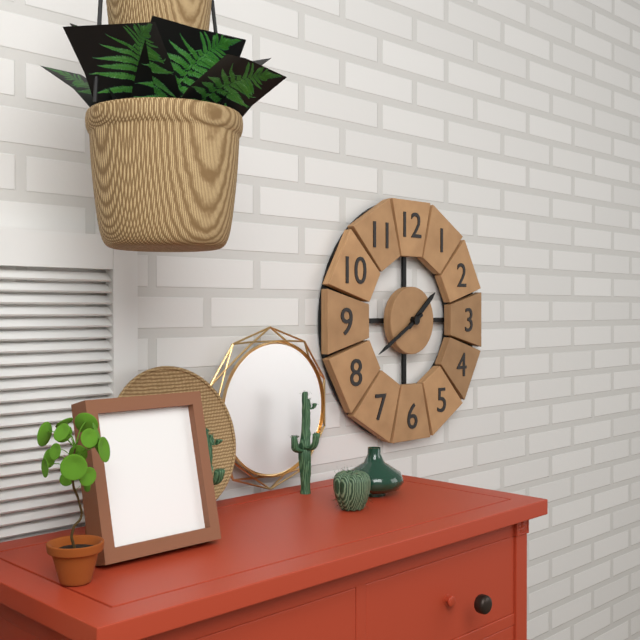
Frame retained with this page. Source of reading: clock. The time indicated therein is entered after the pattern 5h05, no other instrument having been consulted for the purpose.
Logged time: 1h40
